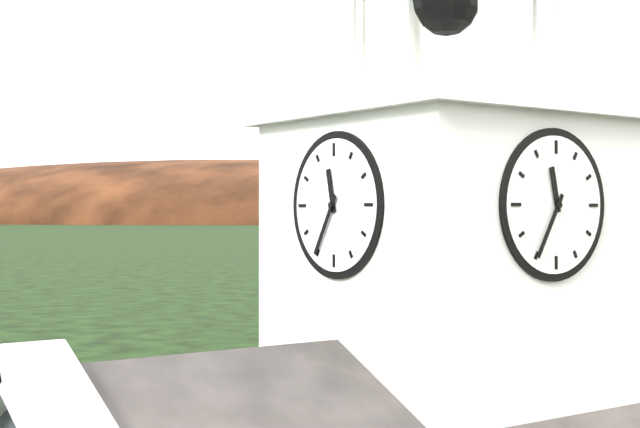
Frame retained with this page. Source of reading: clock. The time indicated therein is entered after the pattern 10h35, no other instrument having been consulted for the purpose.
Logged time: 11h35
